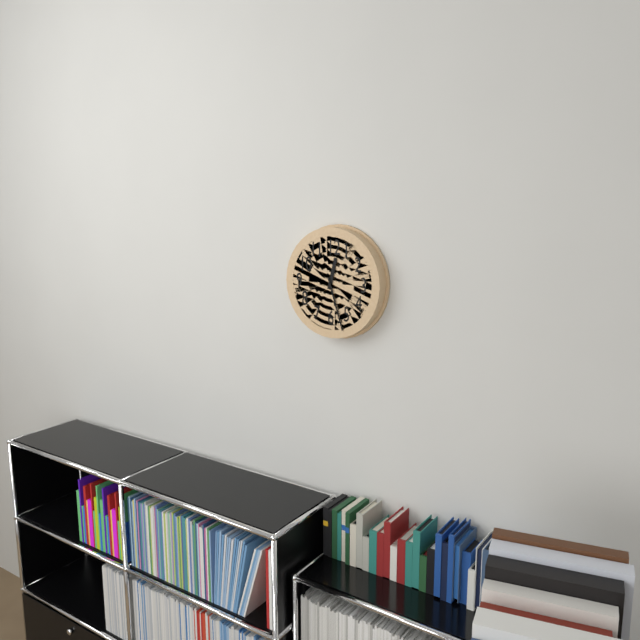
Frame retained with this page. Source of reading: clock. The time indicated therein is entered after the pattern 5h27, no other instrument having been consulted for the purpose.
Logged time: 12h27
